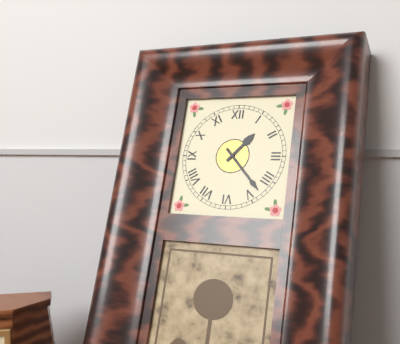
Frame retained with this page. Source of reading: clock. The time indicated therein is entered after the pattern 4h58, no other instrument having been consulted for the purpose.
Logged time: 1h23
